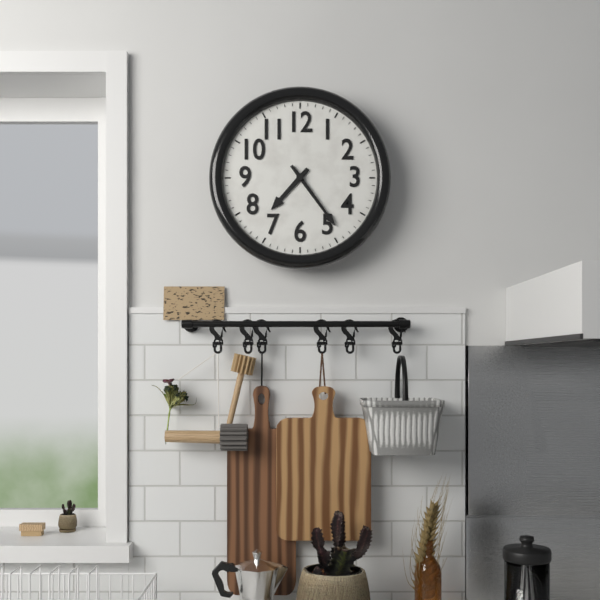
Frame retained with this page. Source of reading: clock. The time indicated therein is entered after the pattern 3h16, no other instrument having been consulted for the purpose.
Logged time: 7h24
